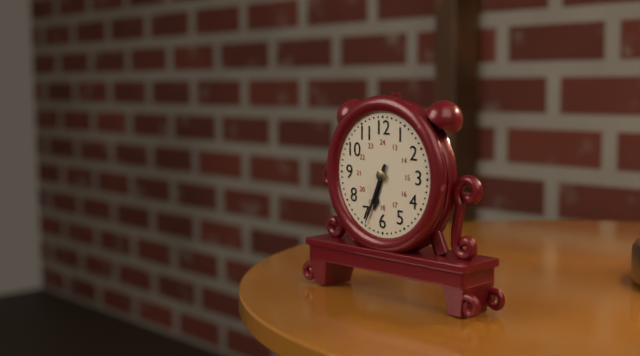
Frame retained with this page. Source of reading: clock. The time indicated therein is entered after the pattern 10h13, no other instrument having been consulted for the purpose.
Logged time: 6h34
